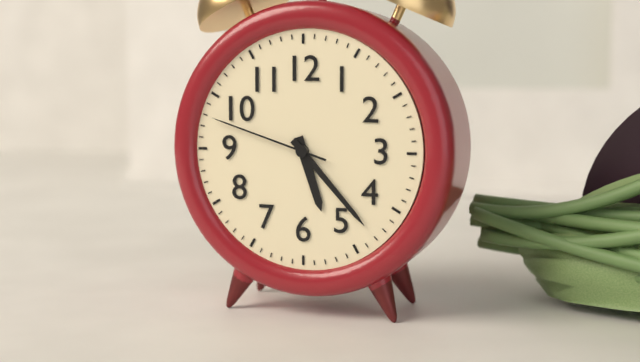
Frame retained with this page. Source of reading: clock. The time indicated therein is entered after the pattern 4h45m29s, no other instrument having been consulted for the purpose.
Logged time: 5h23m48s
